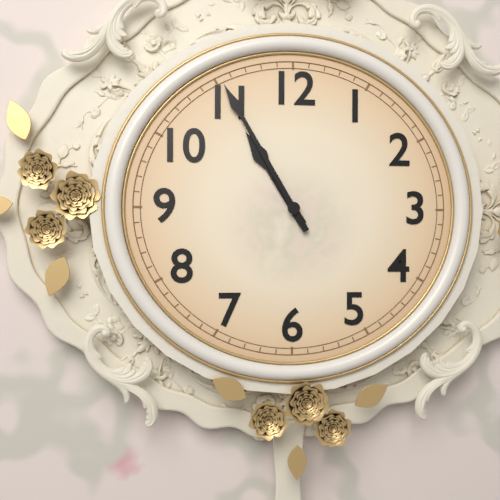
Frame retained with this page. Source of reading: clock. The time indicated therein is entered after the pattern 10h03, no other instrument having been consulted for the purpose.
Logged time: 10h55
